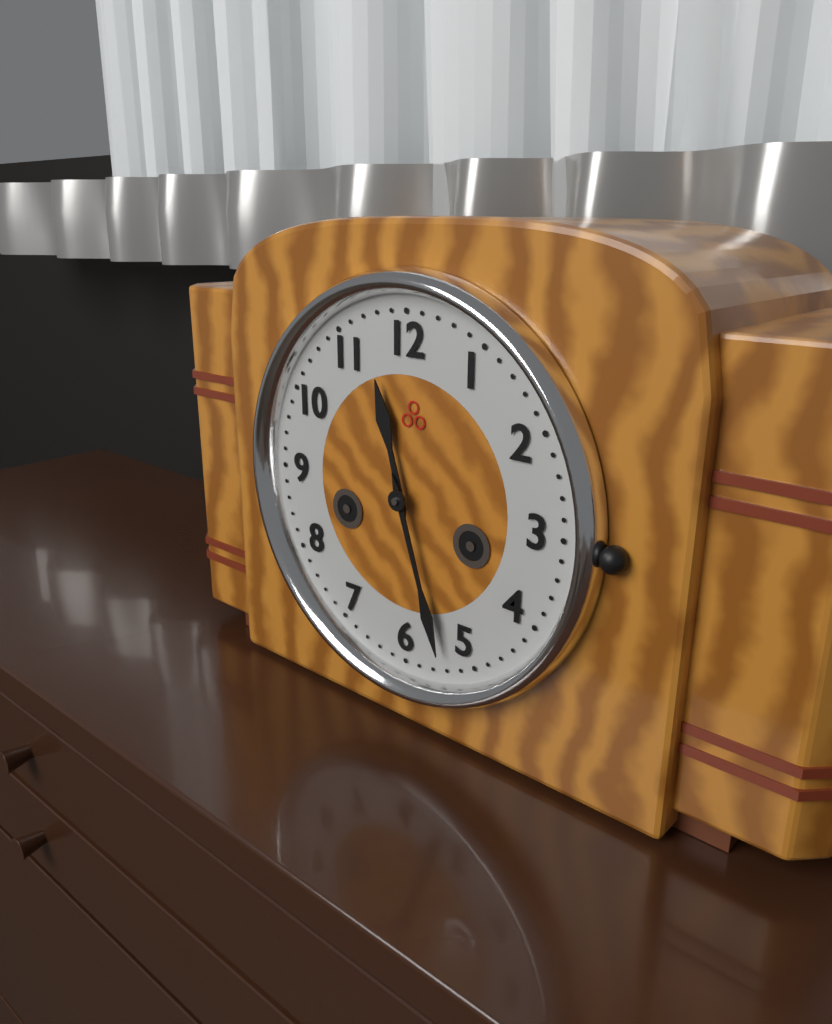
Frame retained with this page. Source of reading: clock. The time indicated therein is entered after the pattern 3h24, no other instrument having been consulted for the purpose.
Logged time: 11h27
